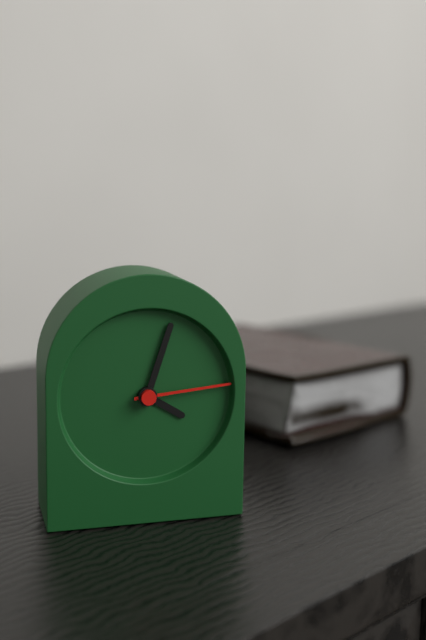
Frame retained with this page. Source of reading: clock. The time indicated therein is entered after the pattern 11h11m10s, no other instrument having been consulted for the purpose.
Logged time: 4h03m14s
